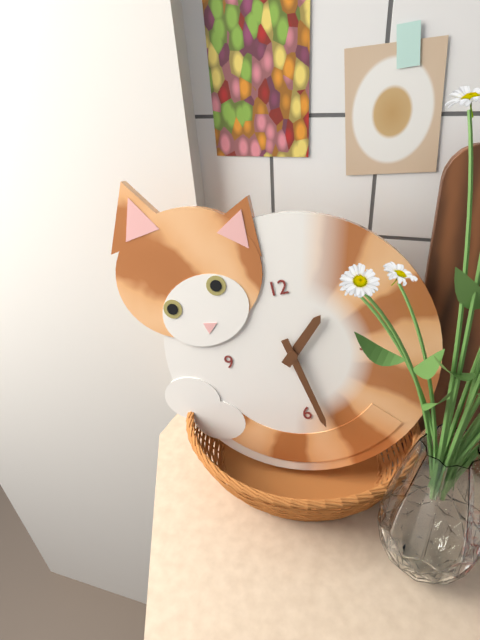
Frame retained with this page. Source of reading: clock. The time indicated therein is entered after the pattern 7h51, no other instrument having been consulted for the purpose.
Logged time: 1h28
